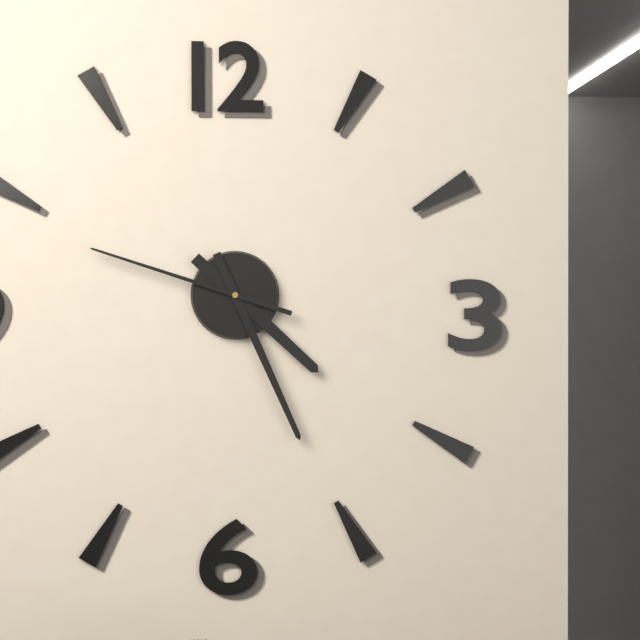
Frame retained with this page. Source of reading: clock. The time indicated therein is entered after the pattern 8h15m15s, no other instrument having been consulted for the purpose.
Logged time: 4h26m48s
